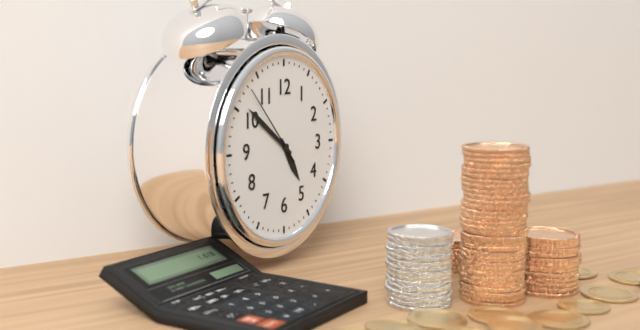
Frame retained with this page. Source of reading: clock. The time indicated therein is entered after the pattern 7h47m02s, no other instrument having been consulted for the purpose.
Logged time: 4h51m53s
